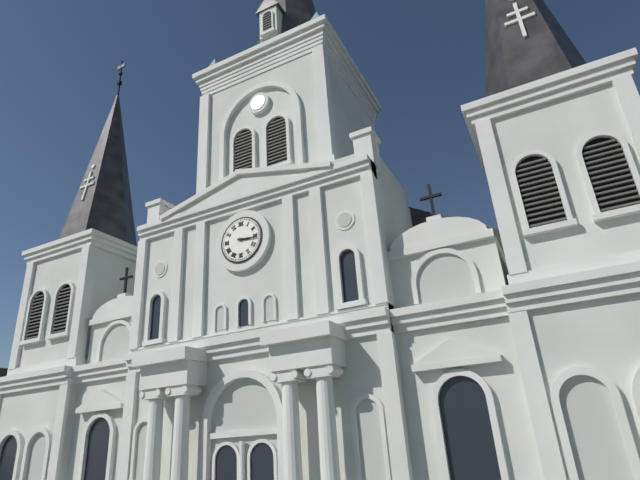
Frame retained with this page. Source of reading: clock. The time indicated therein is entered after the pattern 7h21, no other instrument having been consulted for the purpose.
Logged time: 3h16
